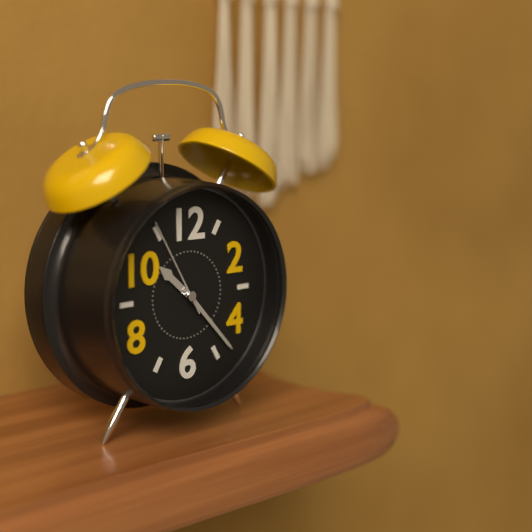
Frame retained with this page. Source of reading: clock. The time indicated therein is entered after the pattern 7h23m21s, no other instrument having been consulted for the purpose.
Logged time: 10h23m55s
